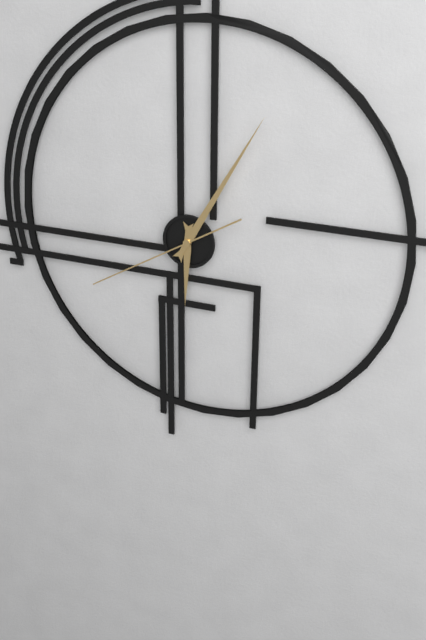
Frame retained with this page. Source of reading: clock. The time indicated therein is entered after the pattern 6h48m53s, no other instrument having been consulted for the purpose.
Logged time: 6h05m40s
